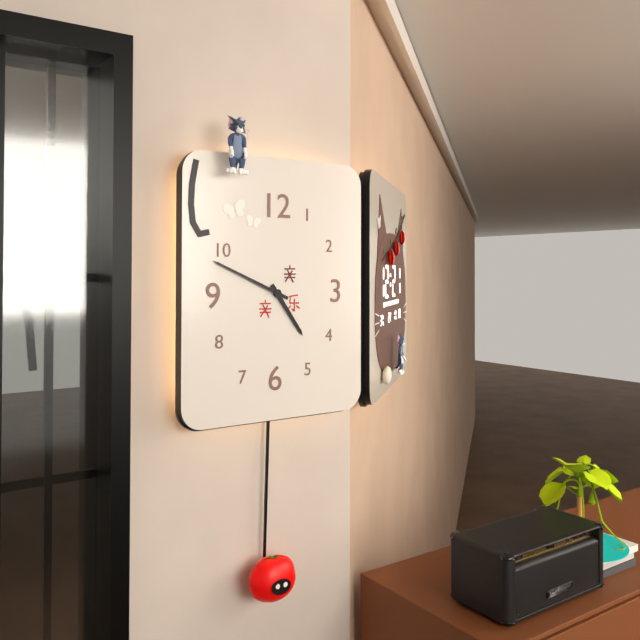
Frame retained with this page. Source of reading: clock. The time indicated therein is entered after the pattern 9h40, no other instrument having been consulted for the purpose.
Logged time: 4h49
